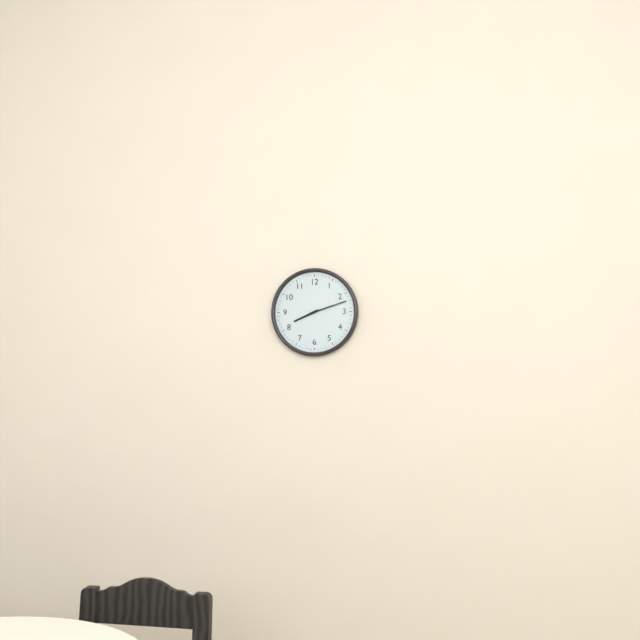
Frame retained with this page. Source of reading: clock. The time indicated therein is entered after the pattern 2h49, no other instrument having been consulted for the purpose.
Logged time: 8h12
